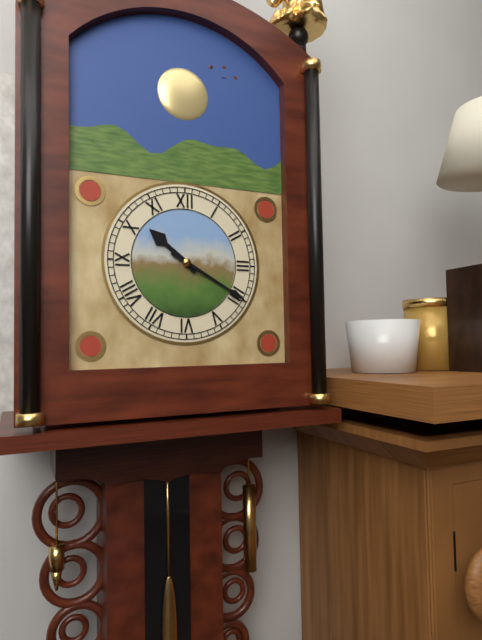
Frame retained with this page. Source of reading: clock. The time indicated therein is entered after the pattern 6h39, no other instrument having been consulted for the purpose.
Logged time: 10h20
